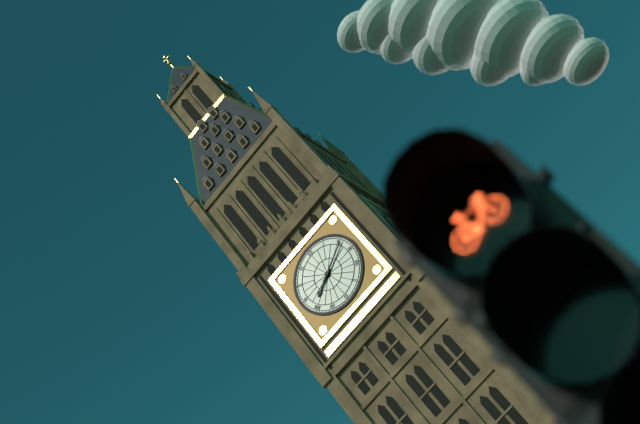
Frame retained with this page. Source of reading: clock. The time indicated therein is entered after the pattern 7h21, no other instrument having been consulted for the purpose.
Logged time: 8h11
